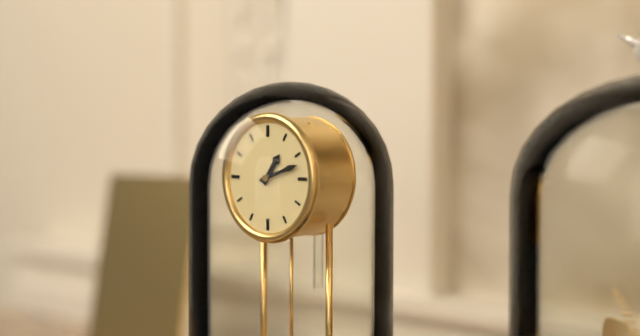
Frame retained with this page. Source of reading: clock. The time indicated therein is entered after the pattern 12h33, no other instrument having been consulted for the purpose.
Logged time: 1h12
